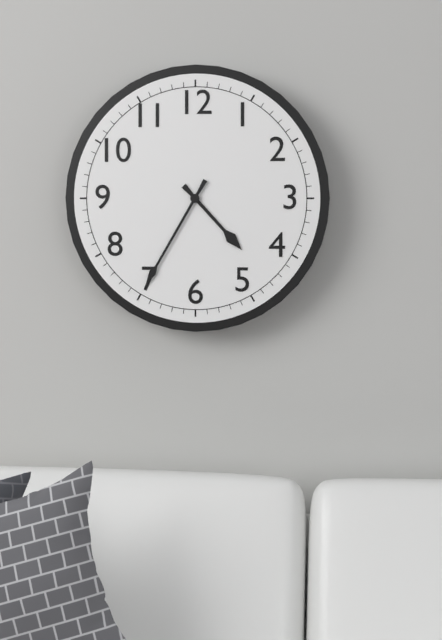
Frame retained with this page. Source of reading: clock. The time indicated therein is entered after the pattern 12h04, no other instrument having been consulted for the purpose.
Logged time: 4h35
